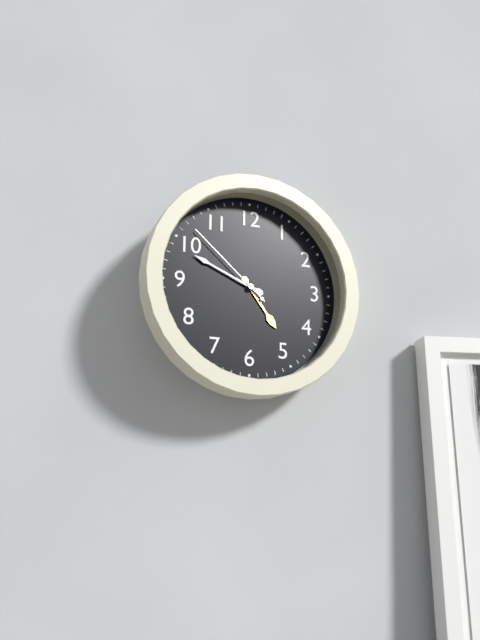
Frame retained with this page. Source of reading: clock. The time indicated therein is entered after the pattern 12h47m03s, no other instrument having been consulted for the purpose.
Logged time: 4h49m52s
